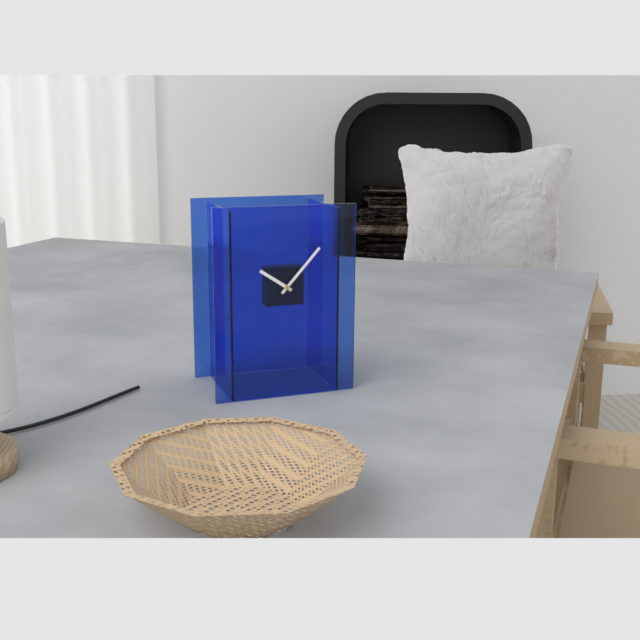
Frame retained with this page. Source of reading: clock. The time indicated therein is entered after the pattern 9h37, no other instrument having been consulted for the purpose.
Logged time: 10h07
